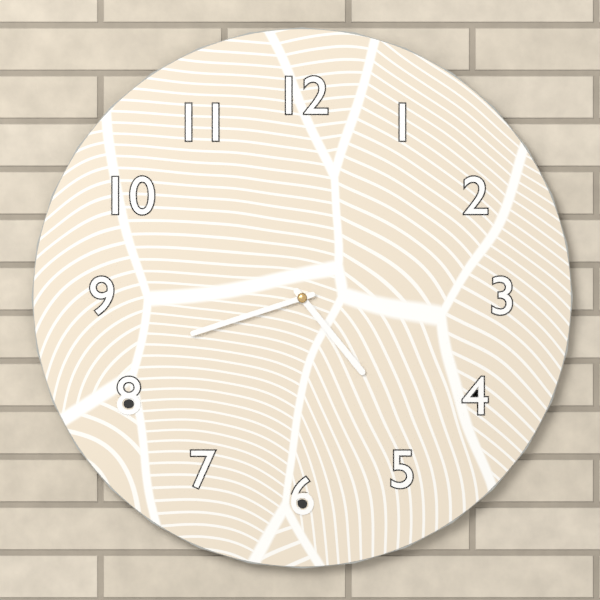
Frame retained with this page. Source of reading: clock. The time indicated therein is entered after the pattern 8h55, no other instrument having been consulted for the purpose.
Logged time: 4h42
